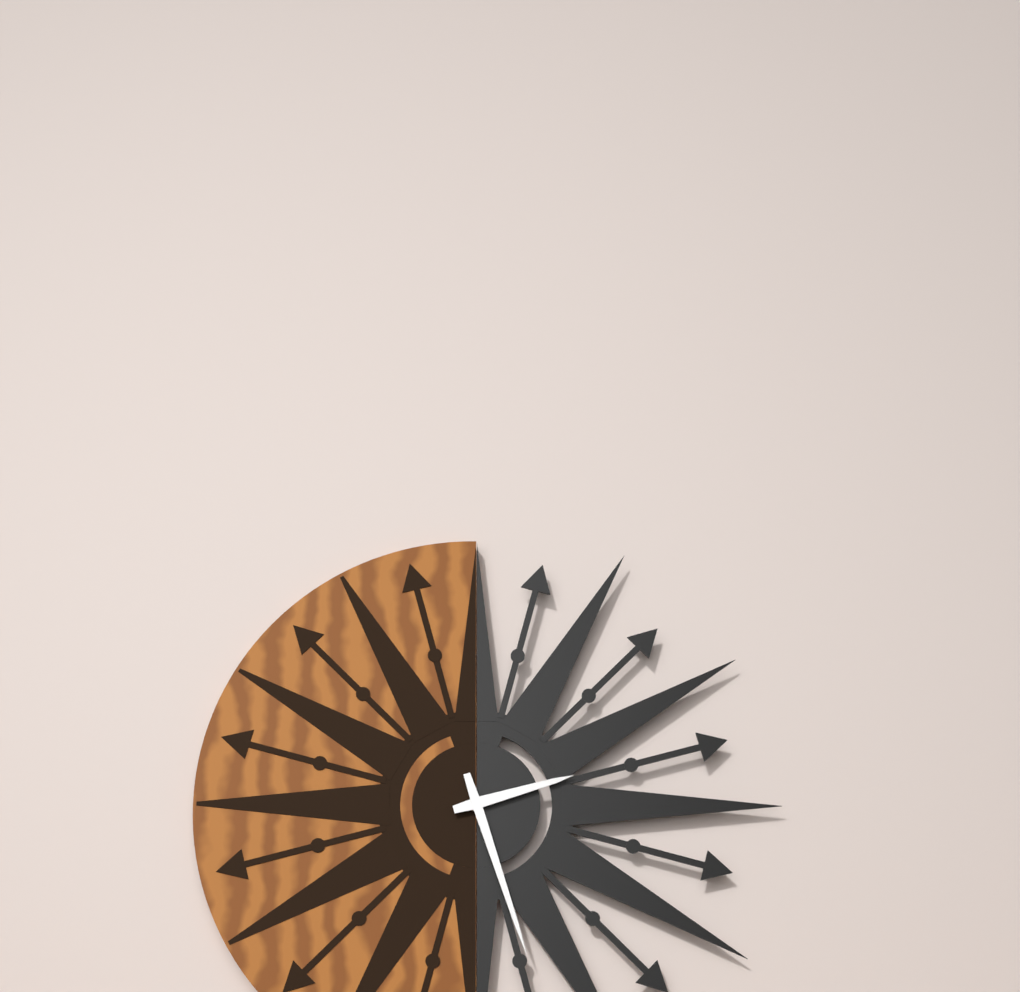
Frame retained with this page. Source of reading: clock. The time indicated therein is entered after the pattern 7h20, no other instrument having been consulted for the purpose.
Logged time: 2h27
